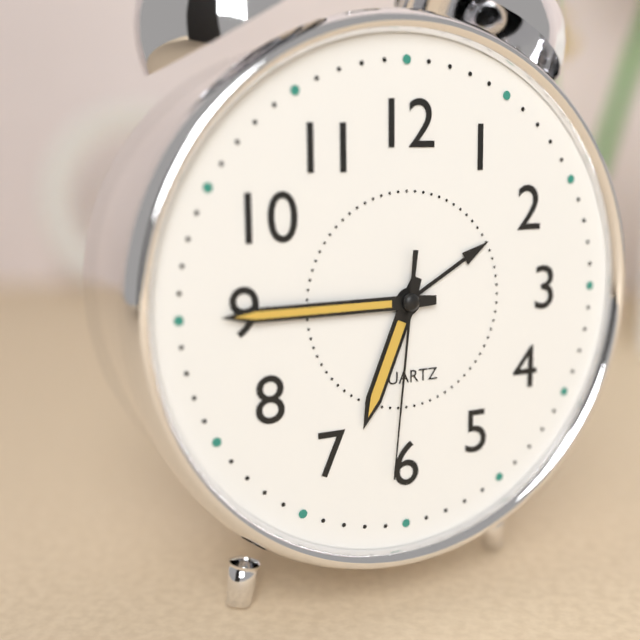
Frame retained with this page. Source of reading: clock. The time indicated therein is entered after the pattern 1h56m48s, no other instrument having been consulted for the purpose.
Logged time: 6h45m31s
